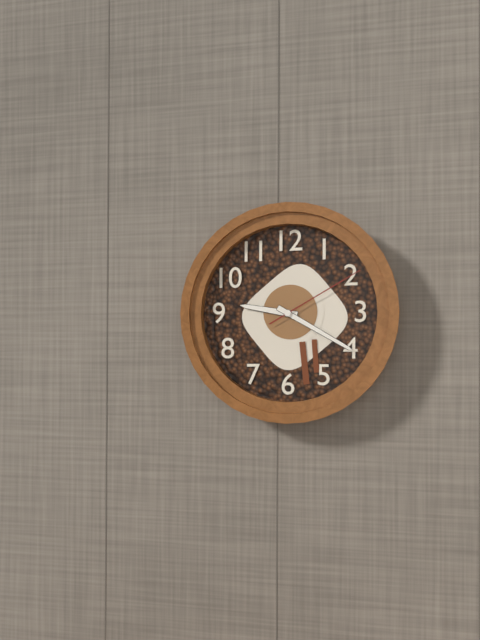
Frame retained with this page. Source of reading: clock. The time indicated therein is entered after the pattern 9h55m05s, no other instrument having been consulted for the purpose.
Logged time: 9h20m10s
